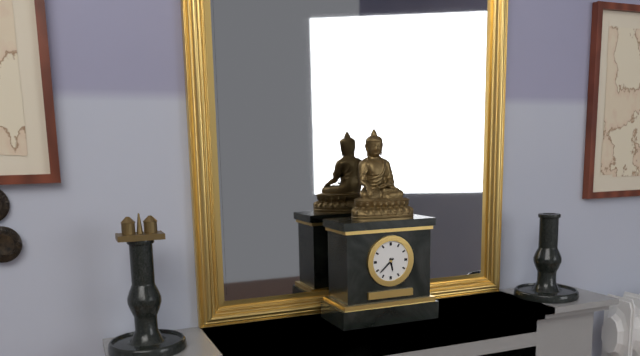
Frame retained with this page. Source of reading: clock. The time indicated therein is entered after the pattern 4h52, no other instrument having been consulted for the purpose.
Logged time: 5h38
